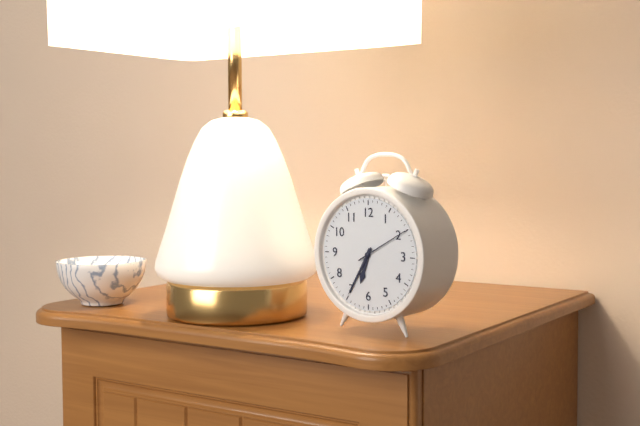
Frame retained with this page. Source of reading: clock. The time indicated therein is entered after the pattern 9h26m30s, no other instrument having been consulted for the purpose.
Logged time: 6h35m10s
